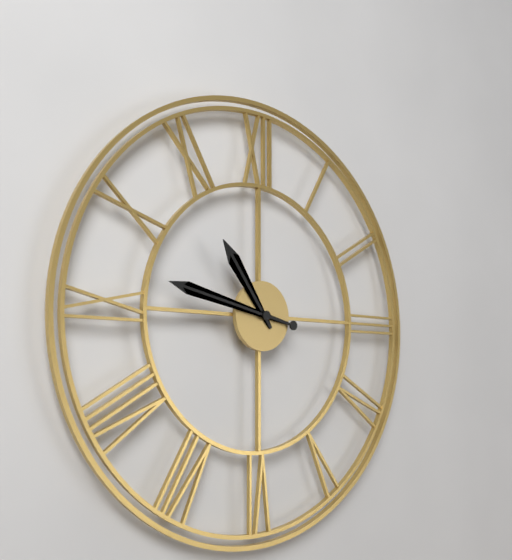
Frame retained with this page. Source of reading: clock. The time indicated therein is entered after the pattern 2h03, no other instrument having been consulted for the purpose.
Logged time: 10h47
